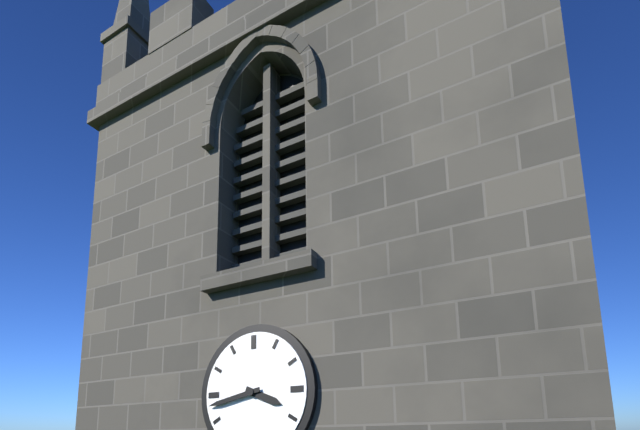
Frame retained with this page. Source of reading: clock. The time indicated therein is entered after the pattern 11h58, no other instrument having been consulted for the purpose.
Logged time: 3h43
